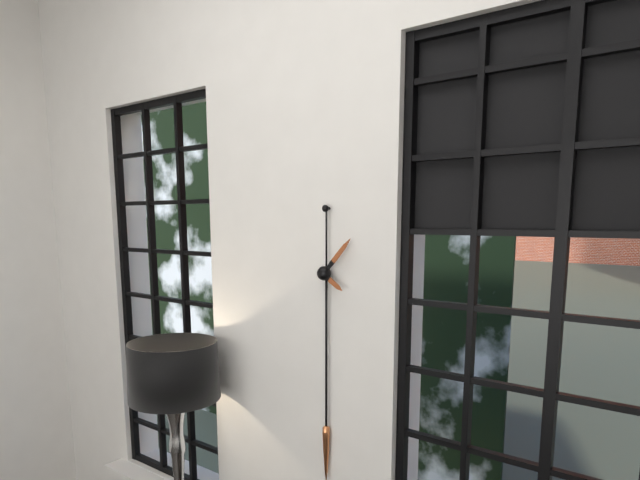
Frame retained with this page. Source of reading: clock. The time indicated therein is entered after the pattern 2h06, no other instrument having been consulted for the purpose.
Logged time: 4h07
